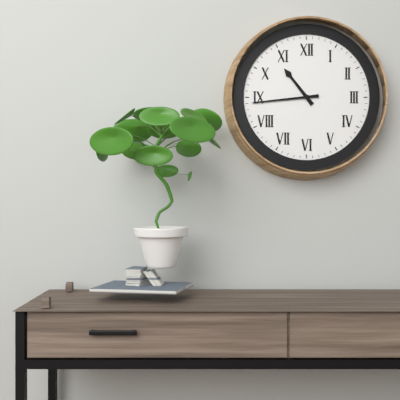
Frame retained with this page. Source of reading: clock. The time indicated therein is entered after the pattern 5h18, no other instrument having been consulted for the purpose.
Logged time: 10h44
